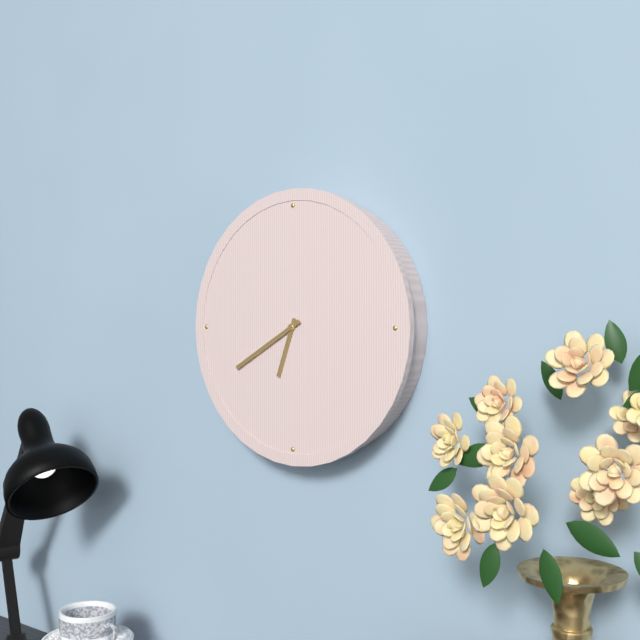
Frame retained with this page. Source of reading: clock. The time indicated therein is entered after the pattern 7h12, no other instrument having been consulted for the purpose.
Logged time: 6h40
